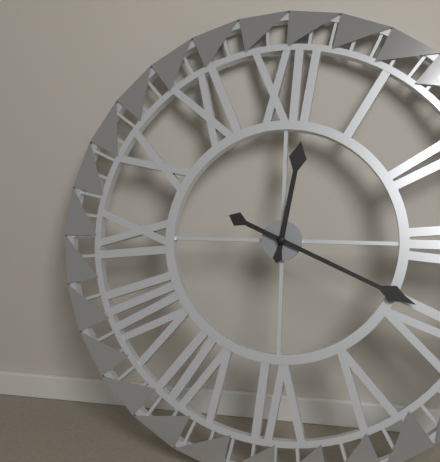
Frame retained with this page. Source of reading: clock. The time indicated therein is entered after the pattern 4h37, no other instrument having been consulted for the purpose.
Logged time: 12h19
